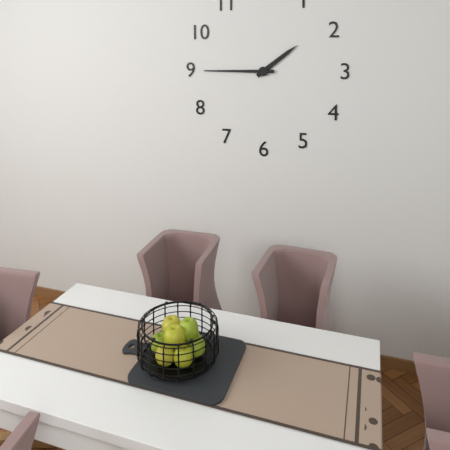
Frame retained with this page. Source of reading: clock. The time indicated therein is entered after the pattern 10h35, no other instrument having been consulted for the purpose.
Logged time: 1h45
